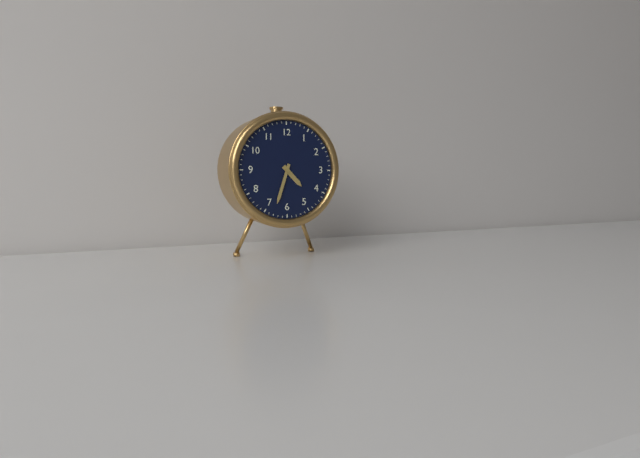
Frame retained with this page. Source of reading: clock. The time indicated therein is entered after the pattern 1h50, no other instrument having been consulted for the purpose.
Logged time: 4h33
